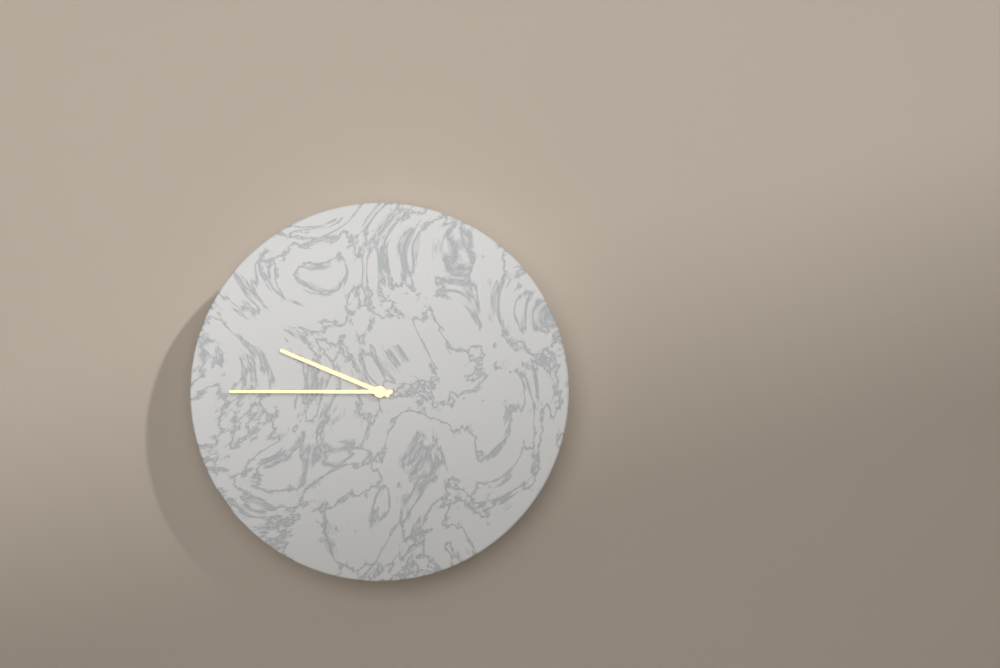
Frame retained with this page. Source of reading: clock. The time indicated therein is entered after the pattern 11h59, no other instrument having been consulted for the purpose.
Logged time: 9h45
